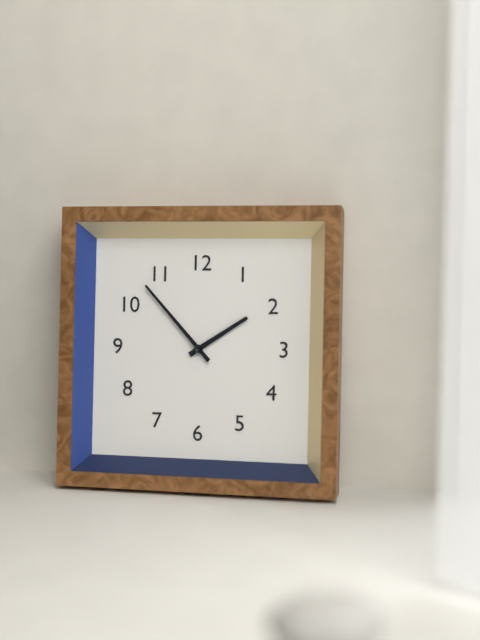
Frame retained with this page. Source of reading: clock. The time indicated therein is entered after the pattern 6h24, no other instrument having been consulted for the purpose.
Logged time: 1h53
